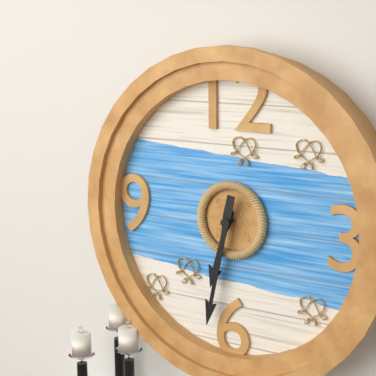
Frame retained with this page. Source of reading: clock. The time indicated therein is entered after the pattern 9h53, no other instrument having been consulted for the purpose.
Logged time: 6h32
